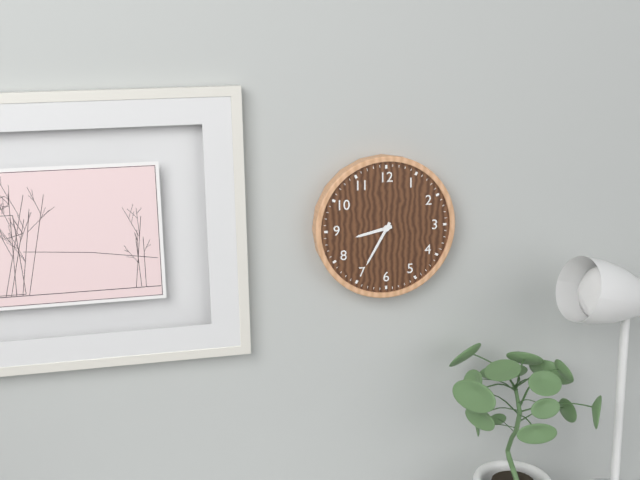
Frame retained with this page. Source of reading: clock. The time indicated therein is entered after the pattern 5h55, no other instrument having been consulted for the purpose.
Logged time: 8h35
